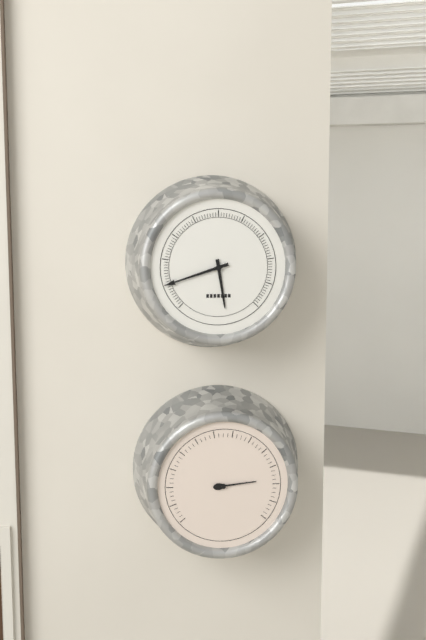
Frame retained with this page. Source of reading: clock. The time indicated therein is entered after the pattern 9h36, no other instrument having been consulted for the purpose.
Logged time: 5h42
